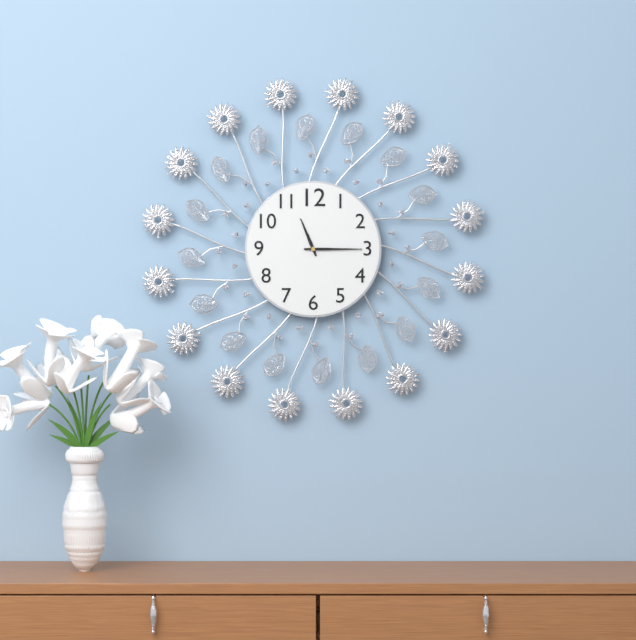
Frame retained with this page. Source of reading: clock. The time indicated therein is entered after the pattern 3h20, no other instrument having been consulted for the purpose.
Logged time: 11h15
